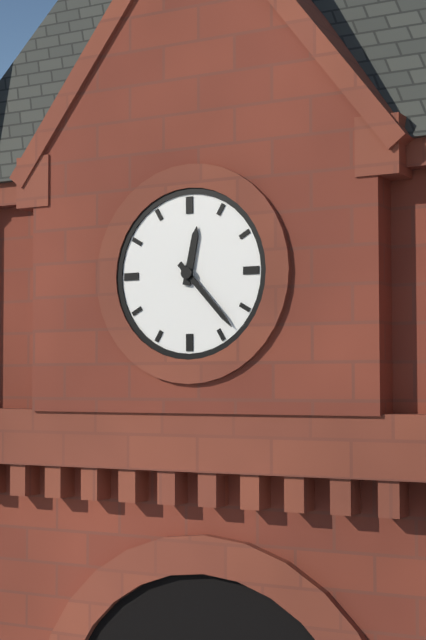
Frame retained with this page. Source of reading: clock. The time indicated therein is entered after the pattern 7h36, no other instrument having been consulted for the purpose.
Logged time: 12h23
